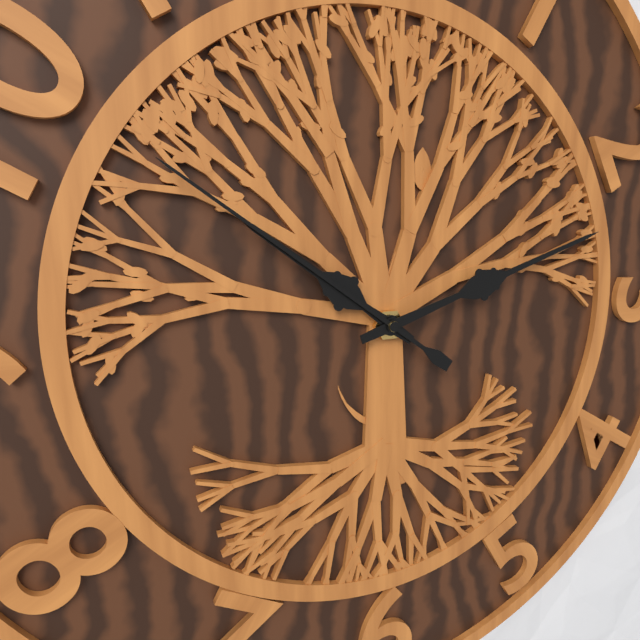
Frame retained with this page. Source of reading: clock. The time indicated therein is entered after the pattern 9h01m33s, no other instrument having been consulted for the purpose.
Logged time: 10h12m51s
